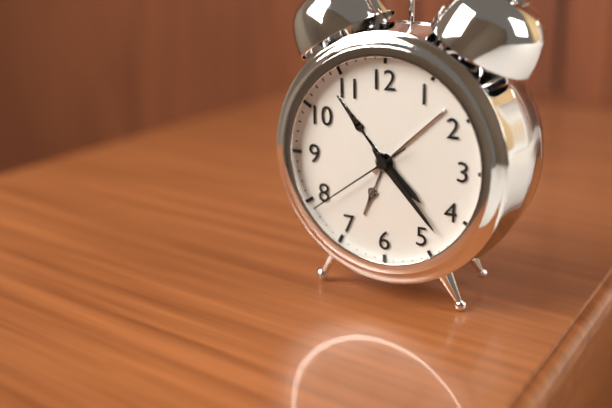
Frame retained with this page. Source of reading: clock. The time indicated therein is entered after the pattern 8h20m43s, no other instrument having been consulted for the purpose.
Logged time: 4h23m39s
